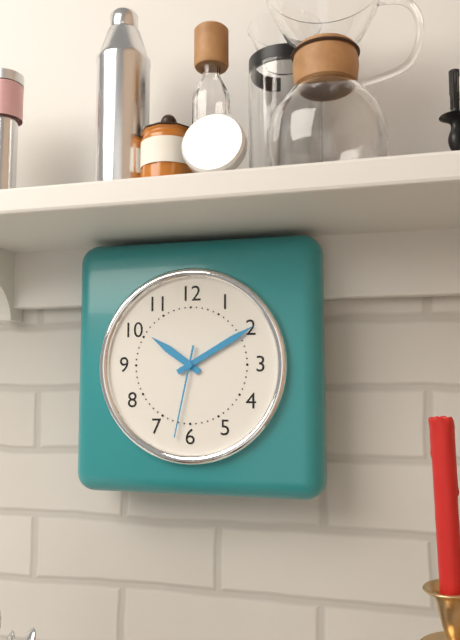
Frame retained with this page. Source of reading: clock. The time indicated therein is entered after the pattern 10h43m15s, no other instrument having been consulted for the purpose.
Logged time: 10h10m32s
